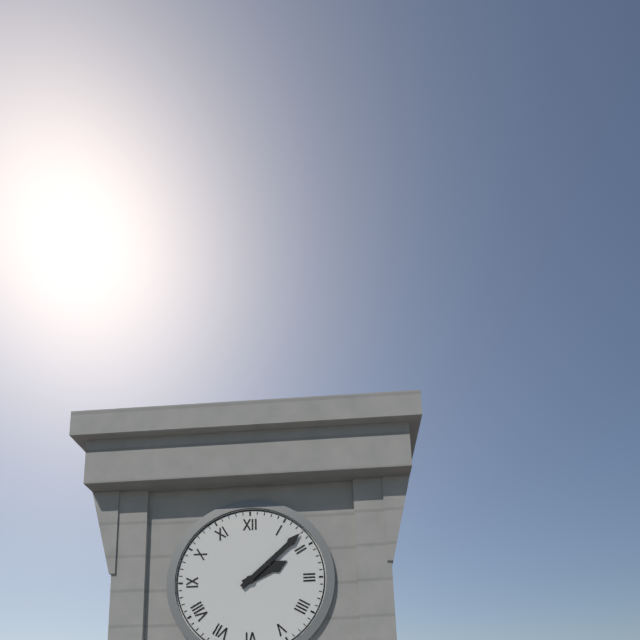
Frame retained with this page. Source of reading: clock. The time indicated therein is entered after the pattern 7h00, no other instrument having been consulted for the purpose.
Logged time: 2h08
